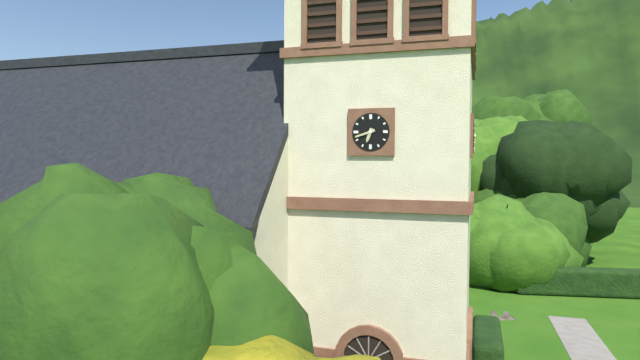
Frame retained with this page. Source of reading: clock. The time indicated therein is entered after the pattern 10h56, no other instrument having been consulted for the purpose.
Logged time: 6h42
